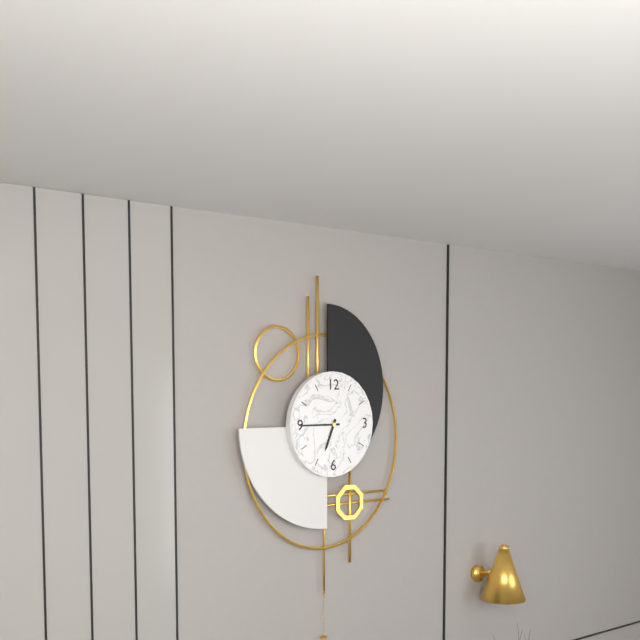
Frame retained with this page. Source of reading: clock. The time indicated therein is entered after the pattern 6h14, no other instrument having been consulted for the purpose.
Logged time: 6h45
